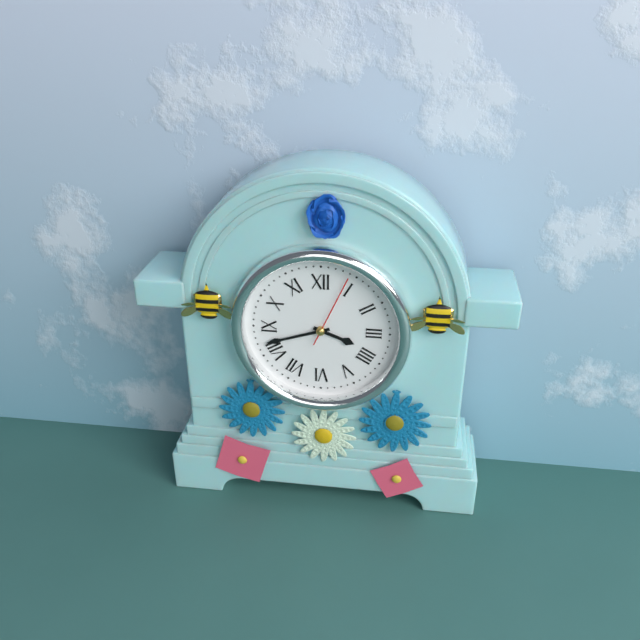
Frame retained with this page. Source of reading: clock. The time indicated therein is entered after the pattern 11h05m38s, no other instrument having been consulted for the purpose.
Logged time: 3h42m04s
